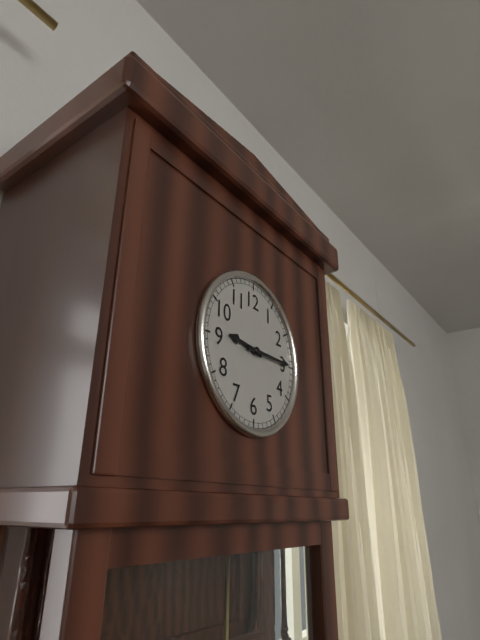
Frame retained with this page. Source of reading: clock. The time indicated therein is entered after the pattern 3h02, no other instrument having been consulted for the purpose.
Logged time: 9h15
